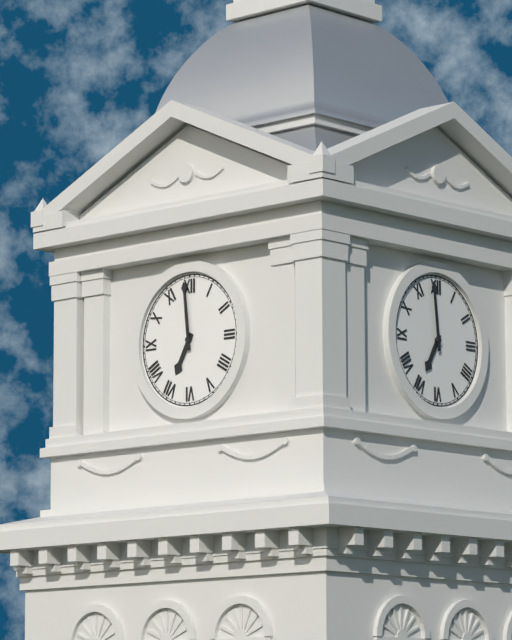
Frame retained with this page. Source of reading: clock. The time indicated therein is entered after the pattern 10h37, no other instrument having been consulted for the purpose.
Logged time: 6h59
